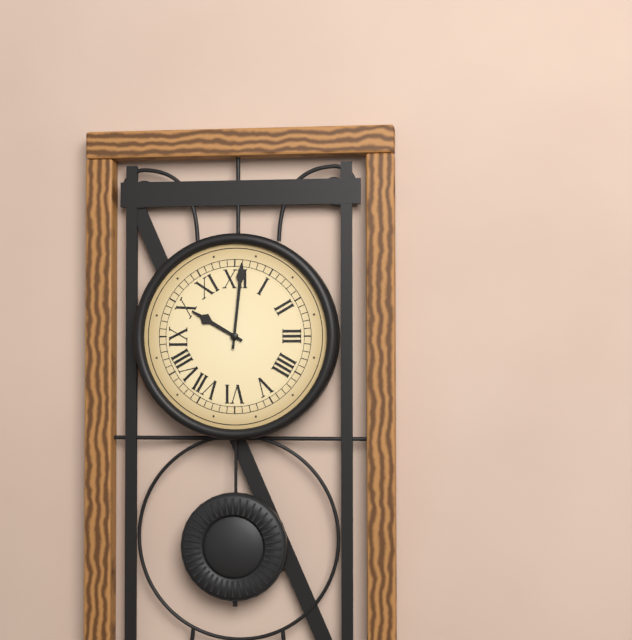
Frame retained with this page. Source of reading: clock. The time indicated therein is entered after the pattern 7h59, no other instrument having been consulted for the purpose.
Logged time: 10h01
